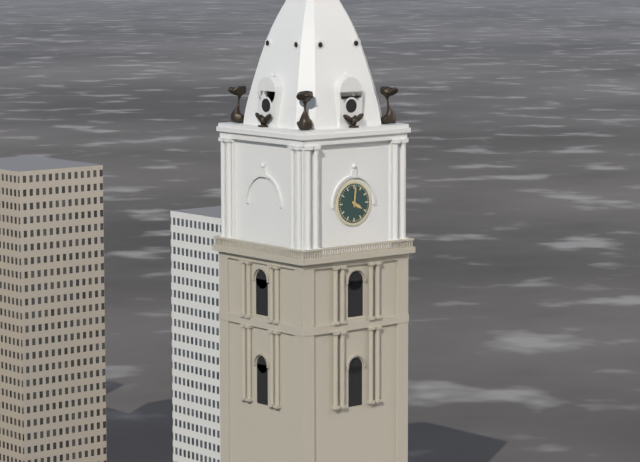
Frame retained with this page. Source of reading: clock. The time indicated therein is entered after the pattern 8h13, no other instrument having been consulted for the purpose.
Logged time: 4h01
